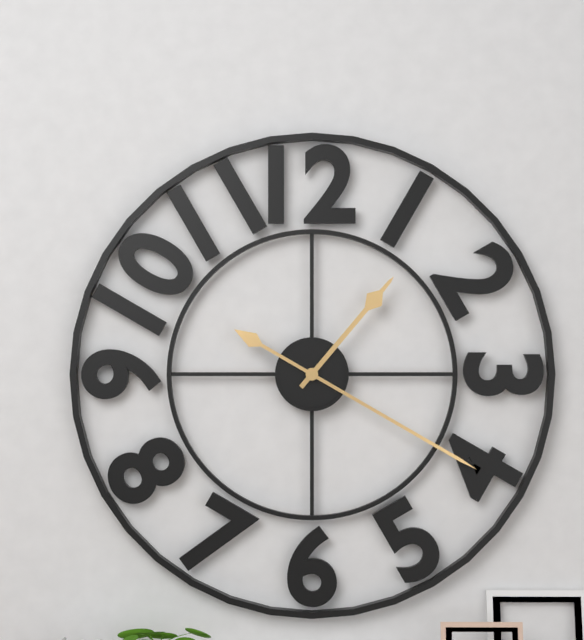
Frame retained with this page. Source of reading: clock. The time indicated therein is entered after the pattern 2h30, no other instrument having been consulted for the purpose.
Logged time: 1h20
